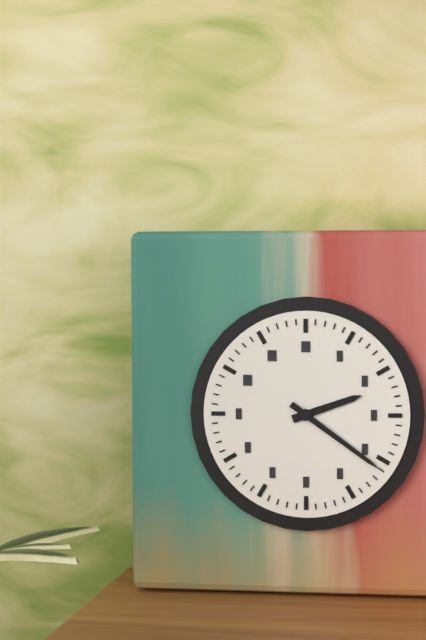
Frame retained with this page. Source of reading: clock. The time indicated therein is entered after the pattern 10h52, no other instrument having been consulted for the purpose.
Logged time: 2h21
